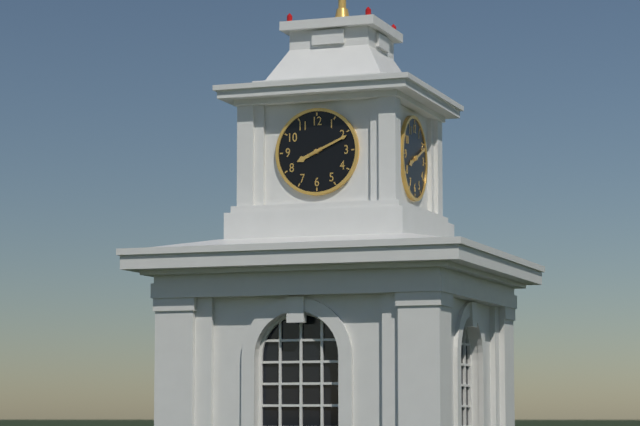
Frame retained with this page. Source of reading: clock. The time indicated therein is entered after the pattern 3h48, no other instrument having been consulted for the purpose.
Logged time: 8h11
